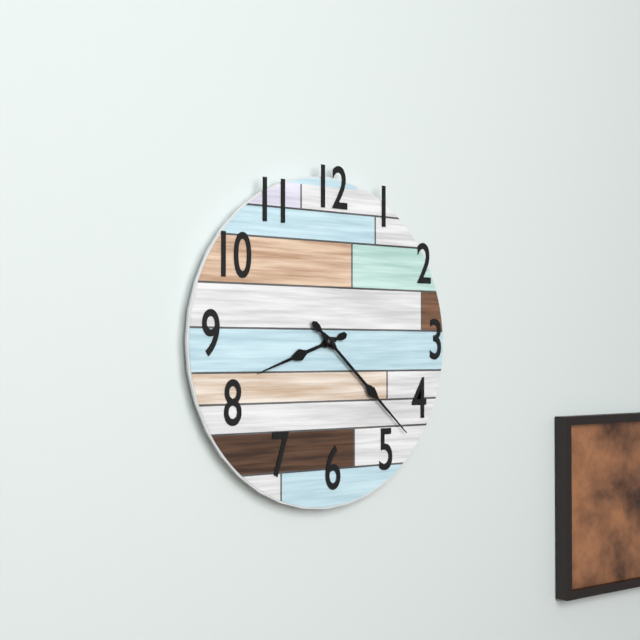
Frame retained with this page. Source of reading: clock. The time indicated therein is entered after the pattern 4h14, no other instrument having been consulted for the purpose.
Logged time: 8h22
